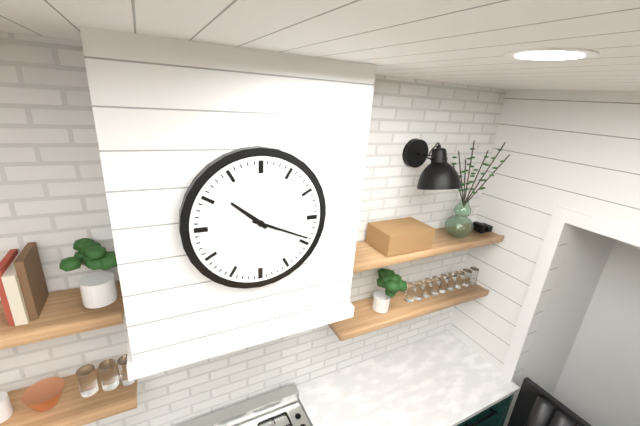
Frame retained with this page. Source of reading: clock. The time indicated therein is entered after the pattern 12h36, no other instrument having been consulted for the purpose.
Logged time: 10h19
